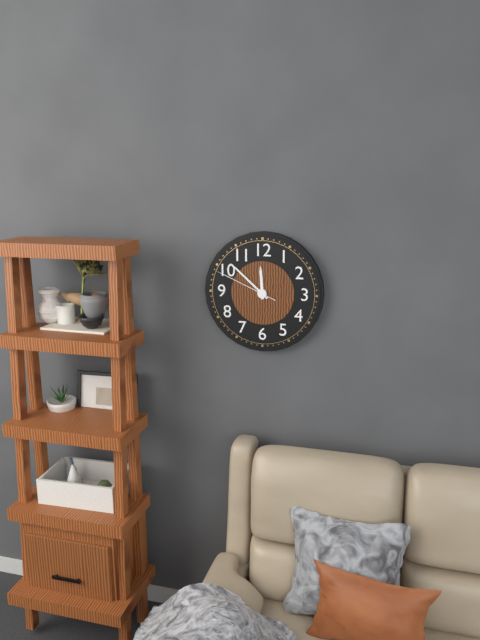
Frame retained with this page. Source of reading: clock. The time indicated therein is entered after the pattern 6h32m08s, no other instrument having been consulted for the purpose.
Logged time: 11h52m49s
